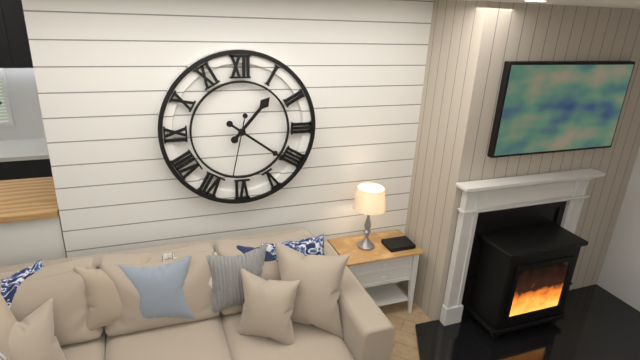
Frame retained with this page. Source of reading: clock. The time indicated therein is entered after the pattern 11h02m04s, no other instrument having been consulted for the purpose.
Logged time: 1h21m32s
